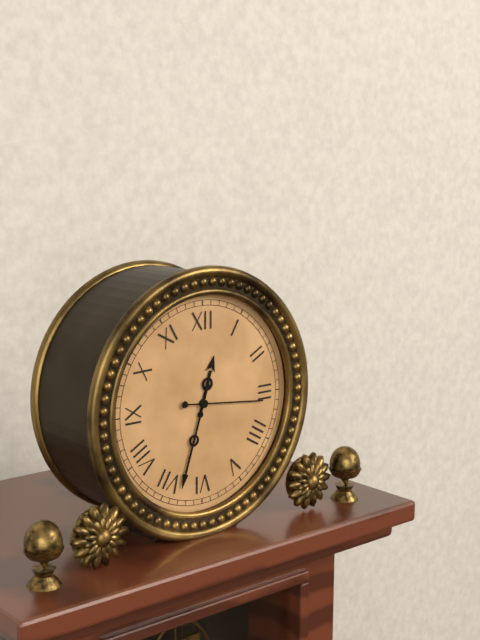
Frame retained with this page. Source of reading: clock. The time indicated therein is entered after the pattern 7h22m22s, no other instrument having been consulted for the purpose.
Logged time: 12h33m16s
